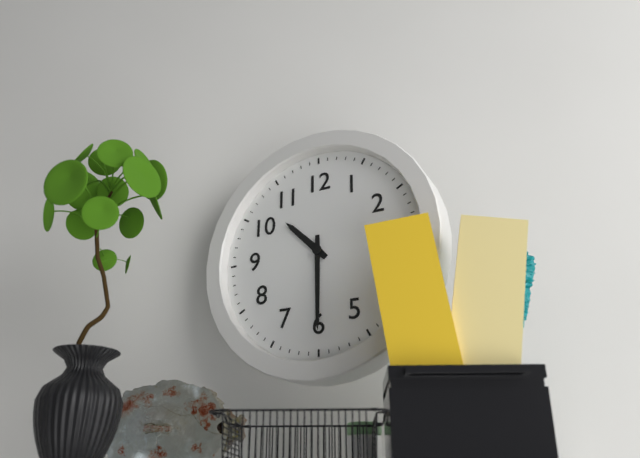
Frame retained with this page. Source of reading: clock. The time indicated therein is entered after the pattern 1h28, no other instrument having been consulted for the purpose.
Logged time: 10h30
